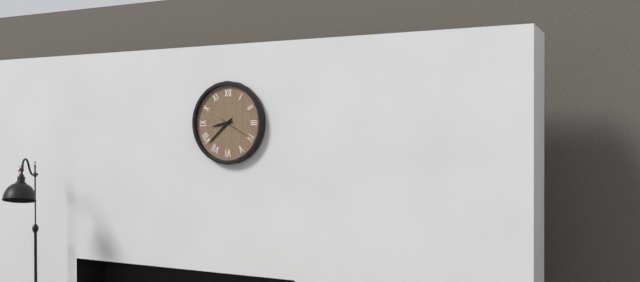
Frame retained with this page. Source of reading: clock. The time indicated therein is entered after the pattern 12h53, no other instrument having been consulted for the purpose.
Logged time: 8h38
